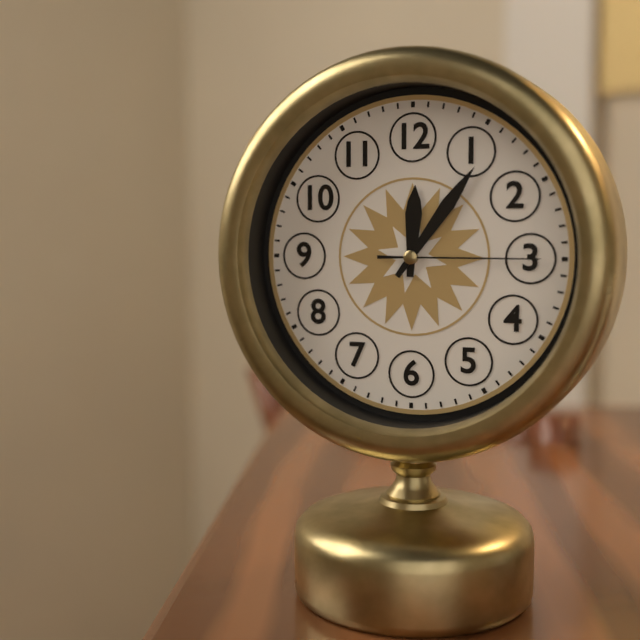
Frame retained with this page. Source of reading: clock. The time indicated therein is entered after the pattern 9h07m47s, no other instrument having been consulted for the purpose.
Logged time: 12h06m15s
